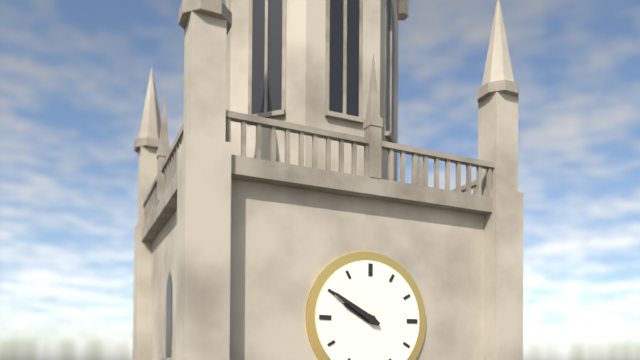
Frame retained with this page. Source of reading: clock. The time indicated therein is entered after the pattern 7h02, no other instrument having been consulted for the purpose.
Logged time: 9h50
